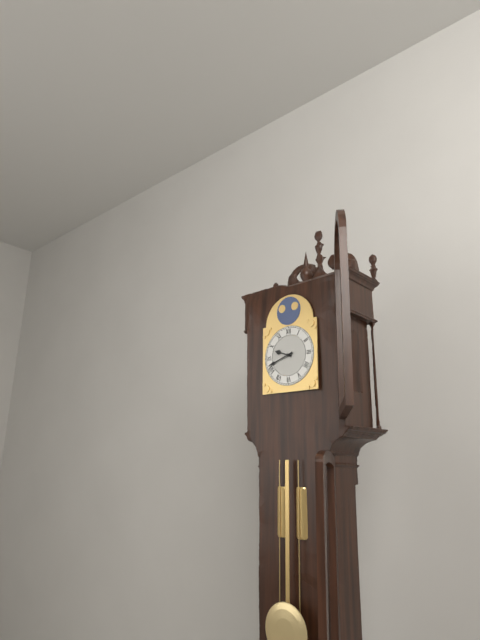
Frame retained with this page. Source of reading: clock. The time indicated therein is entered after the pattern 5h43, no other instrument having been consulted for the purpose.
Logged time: 9h42
